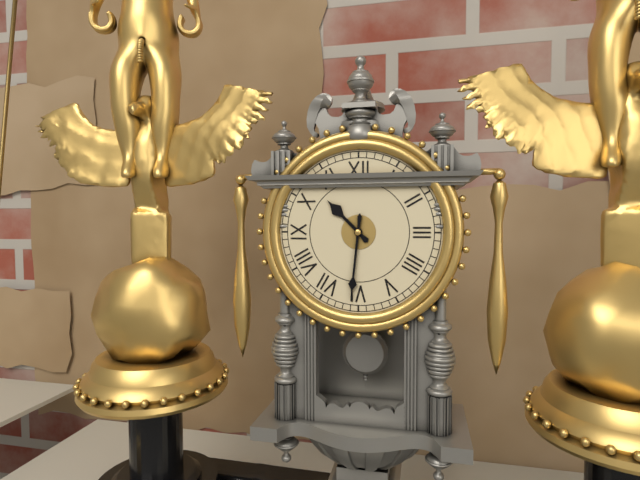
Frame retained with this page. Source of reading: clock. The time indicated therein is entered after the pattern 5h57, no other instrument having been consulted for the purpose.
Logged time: 10h31
